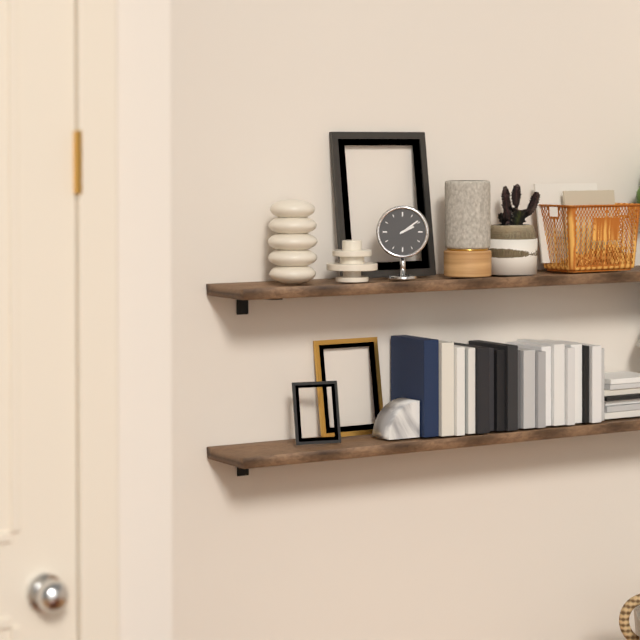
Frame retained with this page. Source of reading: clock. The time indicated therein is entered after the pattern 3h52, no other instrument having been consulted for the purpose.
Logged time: 2h09
